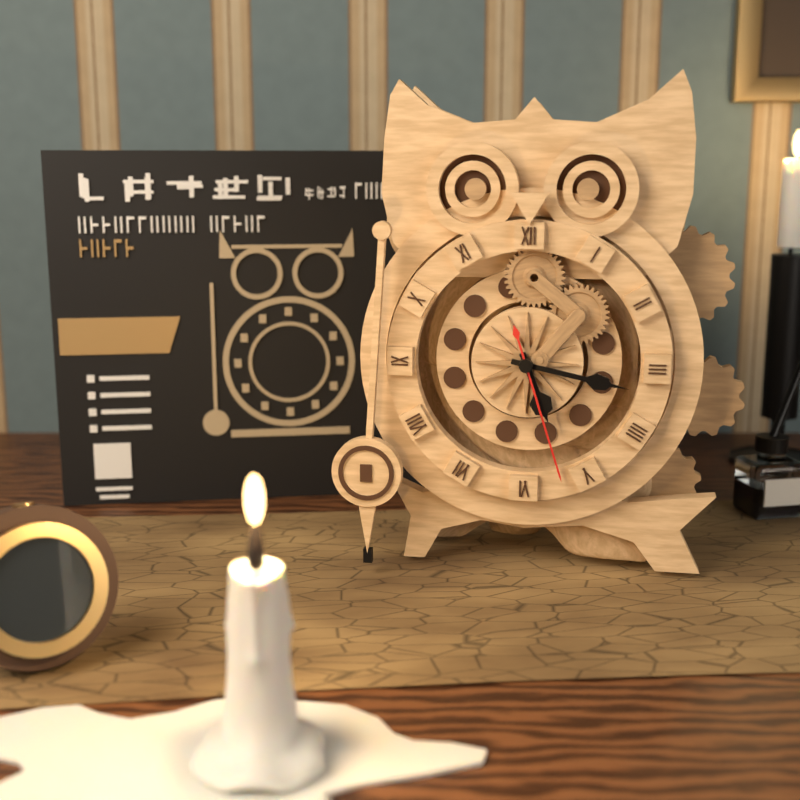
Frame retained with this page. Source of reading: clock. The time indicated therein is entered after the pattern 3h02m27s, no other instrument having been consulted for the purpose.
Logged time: 5h17m27s
